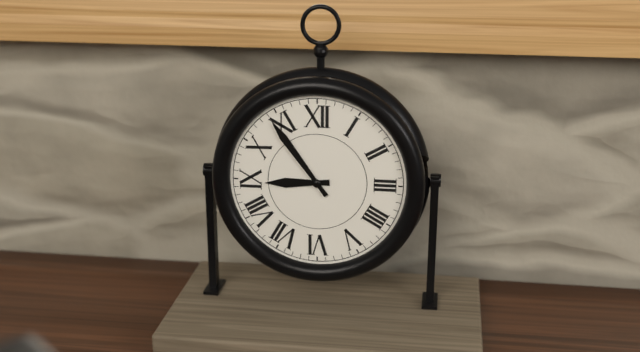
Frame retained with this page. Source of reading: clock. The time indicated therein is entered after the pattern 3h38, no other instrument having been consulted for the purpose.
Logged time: 8h54
